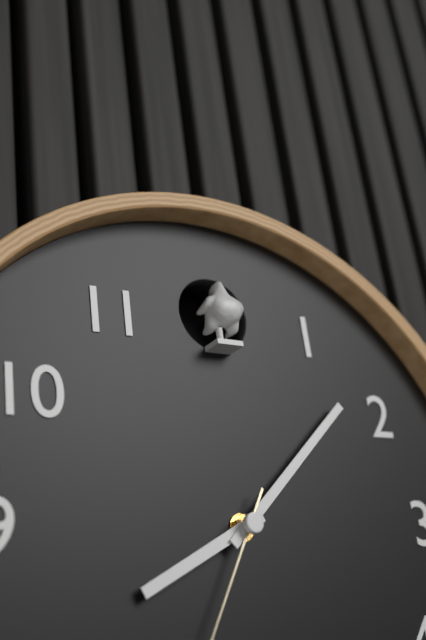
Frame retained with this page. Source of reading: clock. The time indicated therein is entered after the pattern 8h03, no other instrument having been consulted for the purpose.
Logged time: 8h08
